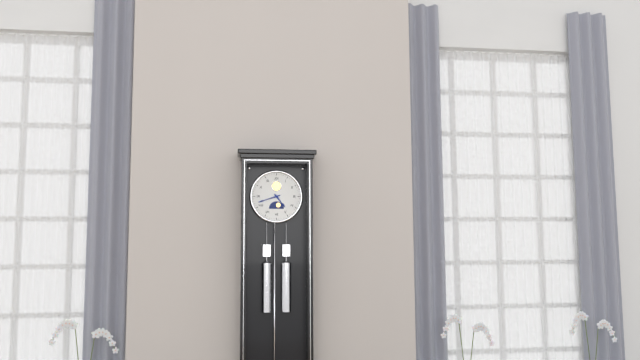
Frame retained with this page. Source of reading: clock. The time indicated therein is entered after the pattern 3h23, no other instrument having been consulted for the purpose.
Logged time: 4h42
